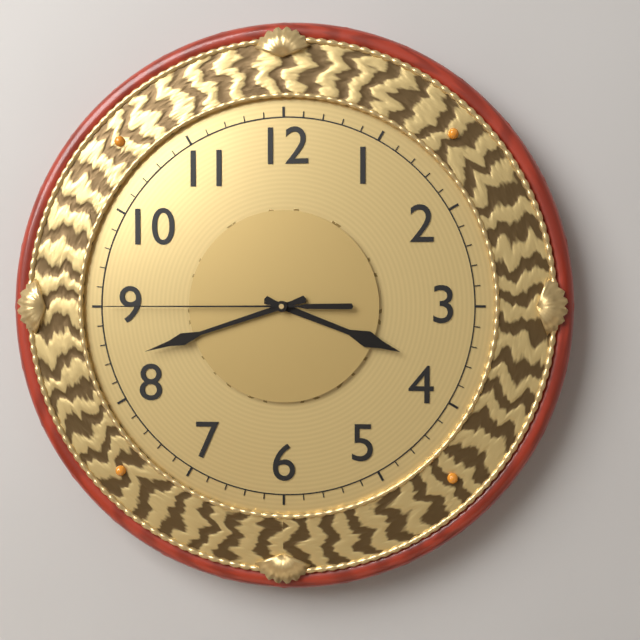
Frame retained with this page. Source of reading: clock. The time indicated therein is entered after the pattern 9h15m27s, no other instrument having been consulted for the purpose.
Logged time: 3h42m45s
